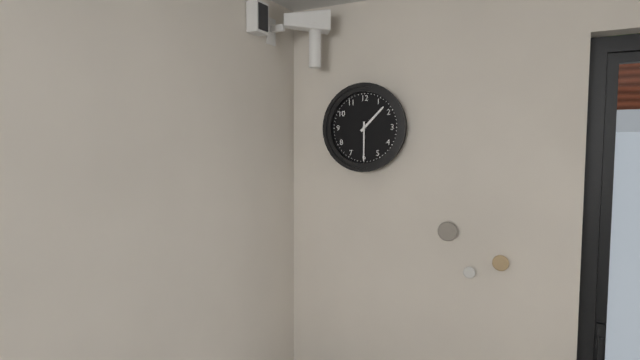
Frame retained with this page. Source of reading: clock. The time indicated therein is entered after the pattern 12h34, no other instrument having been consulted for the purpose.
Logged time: 1h30
